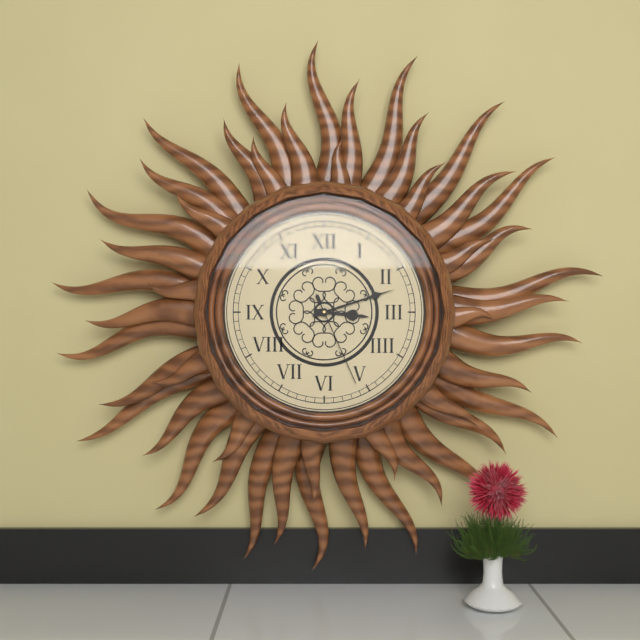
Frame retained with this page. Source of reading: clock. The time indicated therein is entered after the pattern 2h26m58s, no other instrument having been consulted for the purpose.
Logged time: 3h12m26s
